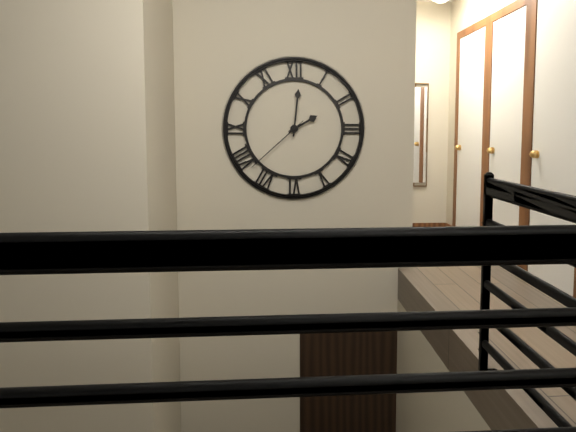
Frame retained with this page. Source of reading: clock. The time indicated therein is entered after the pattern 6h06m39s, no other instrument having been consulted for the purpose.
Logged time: 2h01m38s
